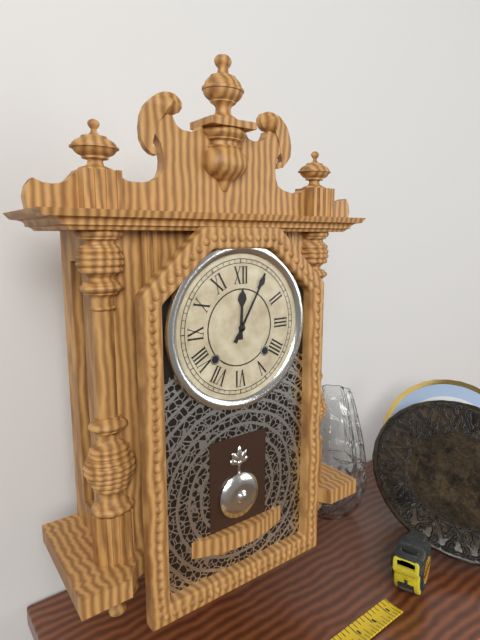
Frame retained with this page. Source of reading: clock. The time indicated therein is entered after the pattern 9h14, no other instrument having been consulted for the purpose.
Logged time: 12h05
